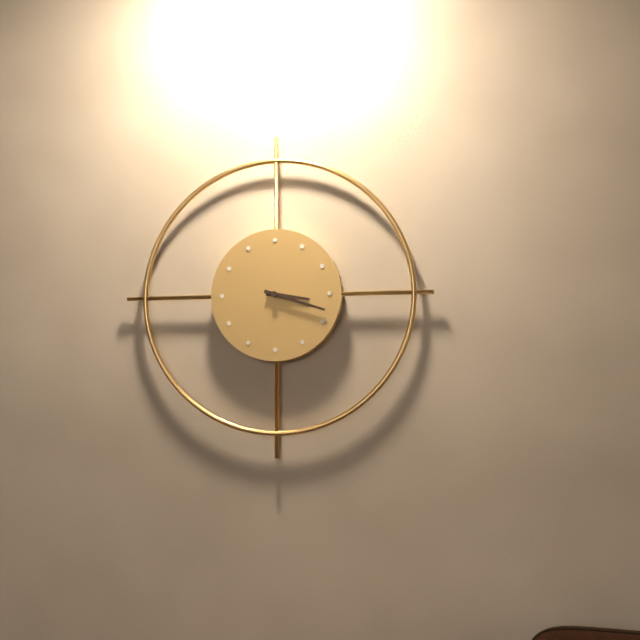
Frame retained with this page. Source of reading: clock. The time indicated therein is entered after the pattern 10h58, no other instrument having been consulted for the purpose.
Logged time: 3h18
